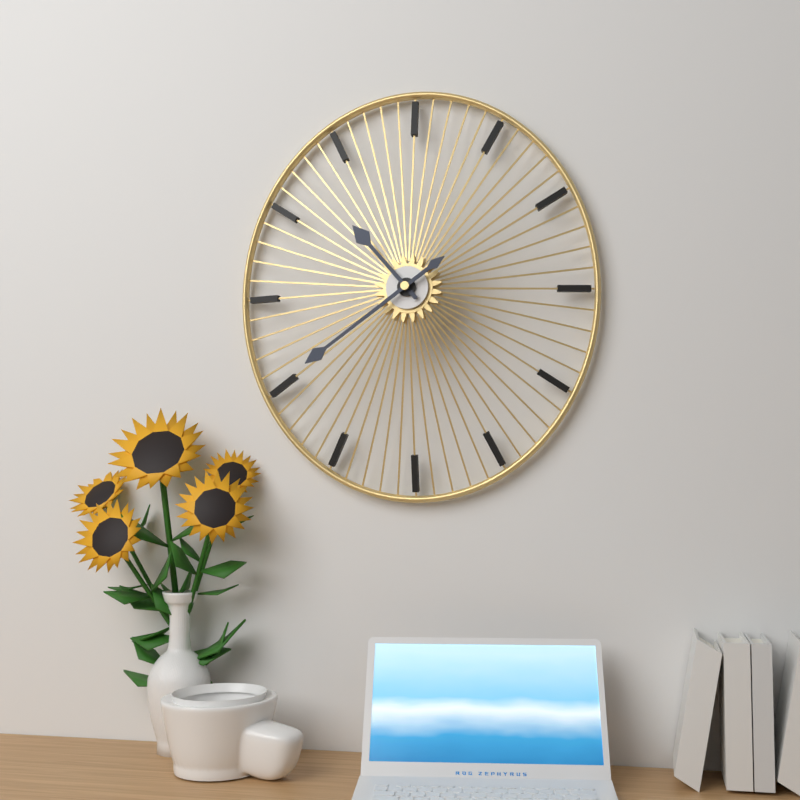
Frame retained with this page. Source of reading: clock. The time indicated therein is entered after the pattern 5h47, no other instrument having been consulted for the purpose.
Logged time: 10h39
